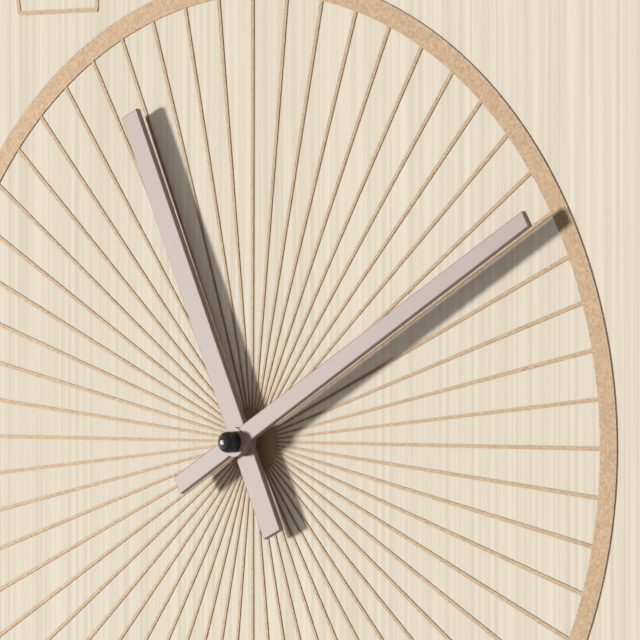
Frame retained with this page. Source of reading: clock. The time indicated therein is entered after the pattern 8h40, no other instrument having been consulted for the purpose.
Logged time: 11h10
